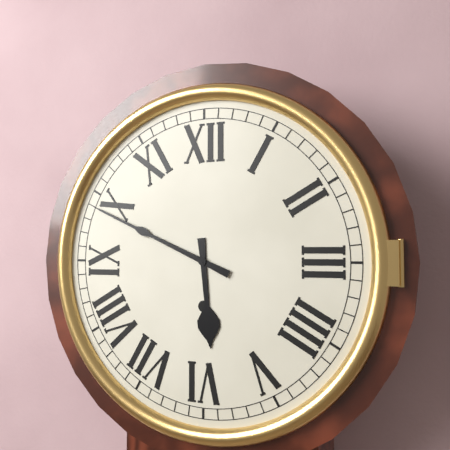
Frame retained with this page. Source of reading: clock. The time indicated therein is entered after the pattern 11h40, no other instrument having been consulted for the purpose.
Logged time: 5h49
